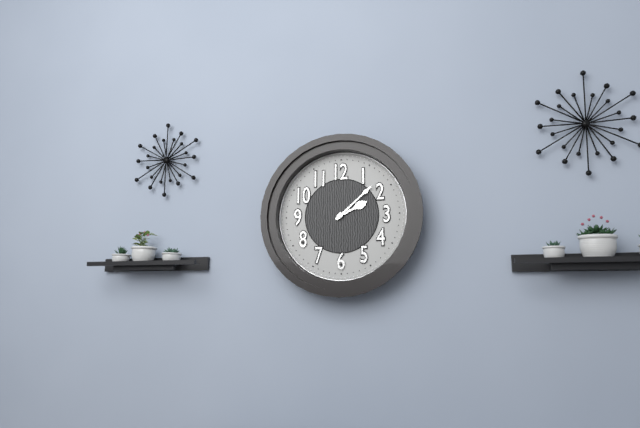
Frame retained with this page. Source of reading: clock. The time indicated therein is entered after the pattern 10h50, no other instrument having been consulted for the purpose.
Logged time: 2h08
